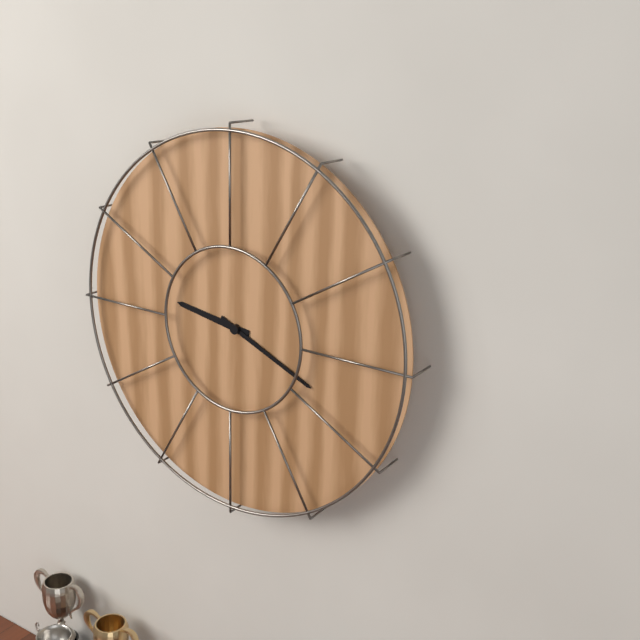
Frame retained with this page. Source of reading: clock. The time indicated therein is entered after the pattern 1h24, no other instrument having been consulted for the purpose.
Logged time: 9h19
